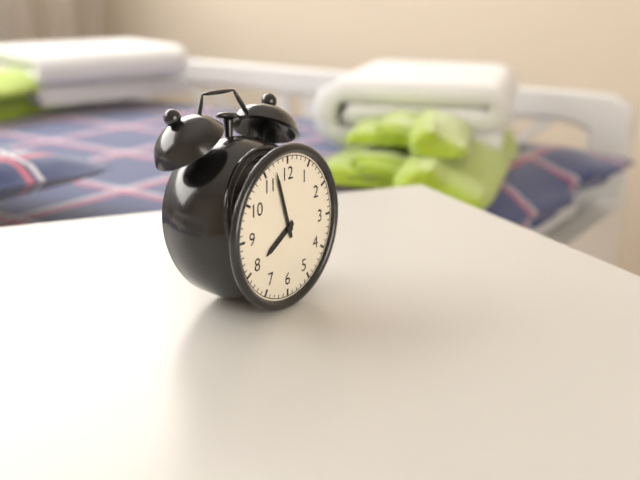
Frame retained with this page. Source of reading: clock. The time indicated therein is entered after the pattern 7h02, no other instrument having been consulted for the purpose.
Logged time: 7h57
